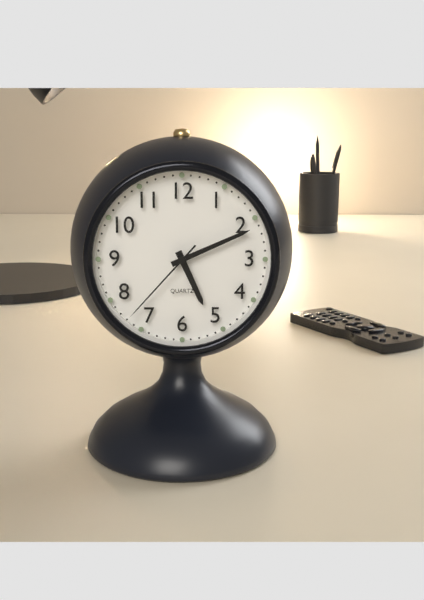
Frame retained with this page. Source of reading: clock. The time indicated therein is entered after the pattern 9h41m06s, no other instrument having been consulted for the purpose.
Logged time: 5h11m37s
